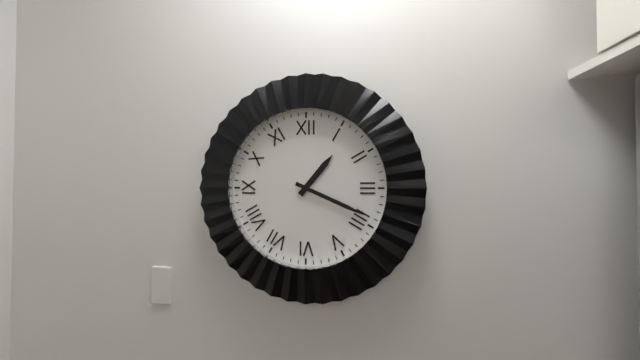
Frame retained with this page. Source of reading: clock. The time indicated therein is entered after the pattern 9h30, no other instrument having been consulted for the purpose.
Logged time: 1h19
